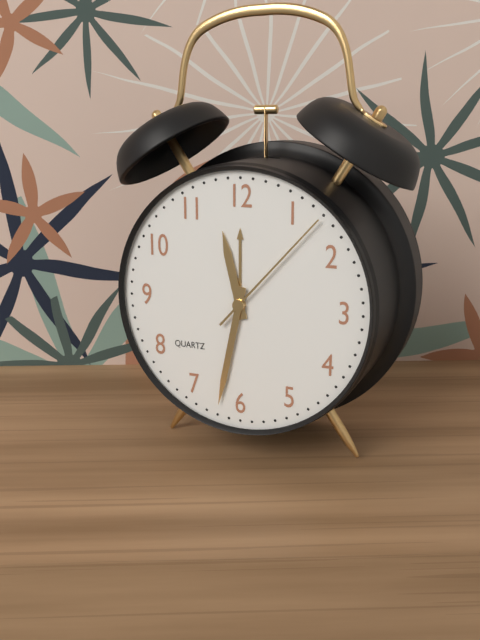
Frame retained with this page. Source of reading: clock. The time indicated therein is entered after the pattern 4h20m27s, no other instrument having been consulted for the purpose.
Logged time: 11h32m07s
